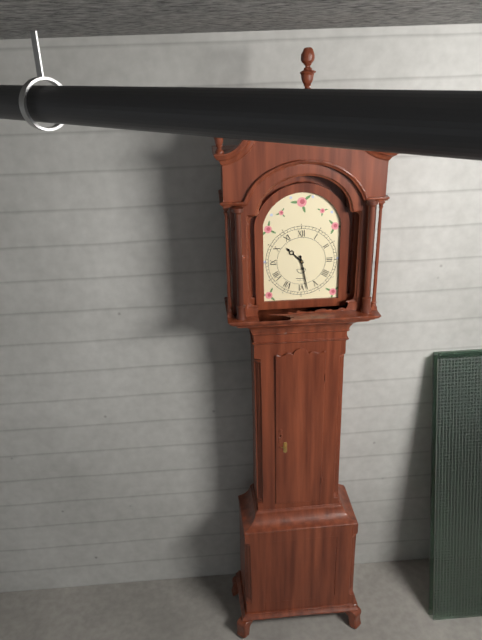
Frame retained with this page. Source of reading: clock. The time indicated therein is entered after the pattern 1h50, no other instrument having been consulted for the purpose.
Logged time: 10h28
